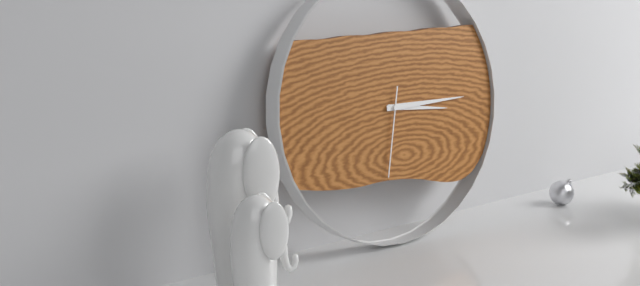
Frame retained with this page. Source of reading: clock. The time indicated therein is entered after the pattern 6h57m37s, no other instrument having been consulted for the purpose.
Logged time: 3h15m32s
